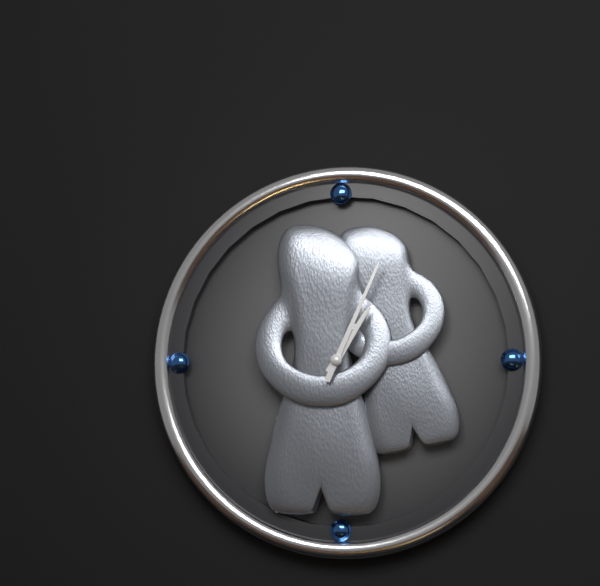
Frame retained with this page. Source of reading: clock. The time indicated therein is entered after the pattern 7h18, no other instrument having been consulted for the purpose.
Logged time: 1h04
